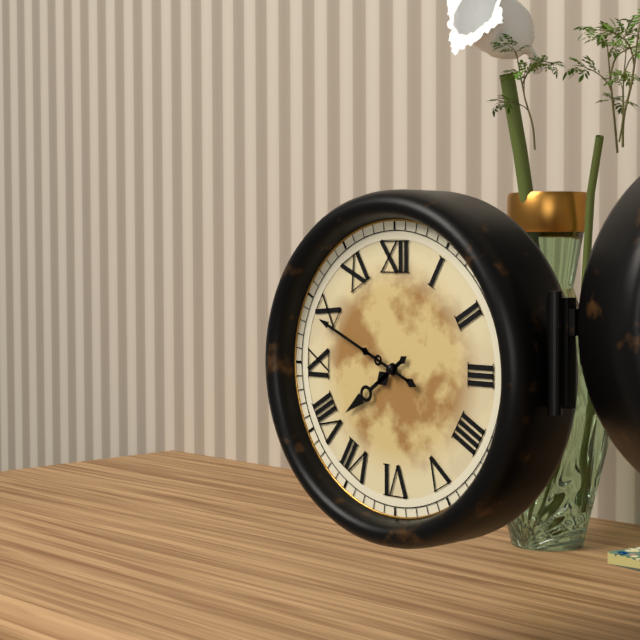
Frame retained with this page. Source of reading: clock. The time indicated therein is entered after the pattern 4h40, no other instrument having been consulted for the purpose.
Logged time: 7h49
